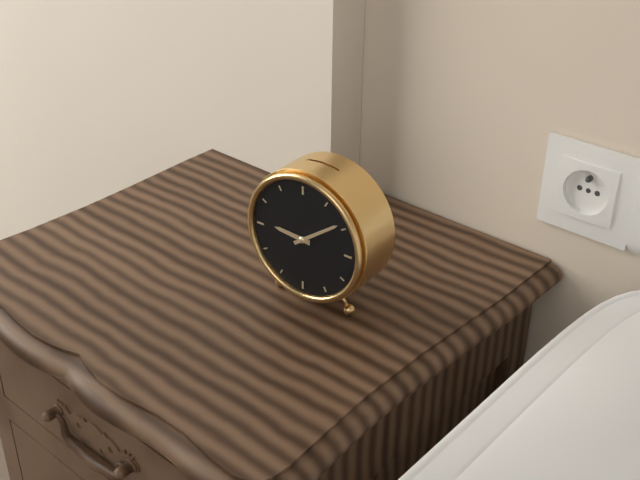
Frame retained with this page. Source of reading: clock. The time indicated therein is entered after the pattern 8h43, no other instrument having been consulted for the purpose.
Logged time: 9h09
